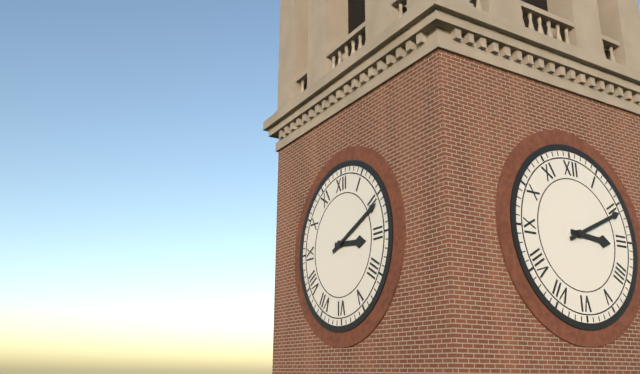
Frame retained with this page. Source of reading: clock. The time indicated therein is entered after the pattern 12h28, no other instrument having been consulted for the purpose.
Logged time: 3h11
